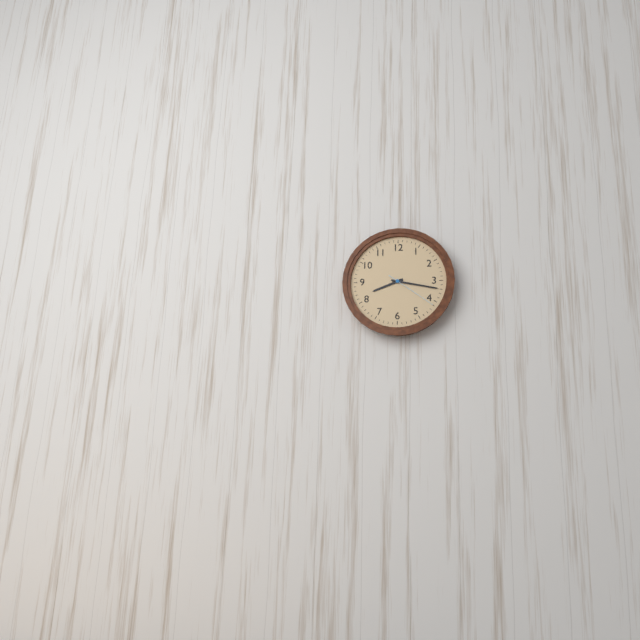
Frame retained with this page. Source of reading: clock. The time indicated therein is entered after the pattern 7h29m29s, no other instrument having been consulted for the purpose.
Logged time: 8h17m21s
